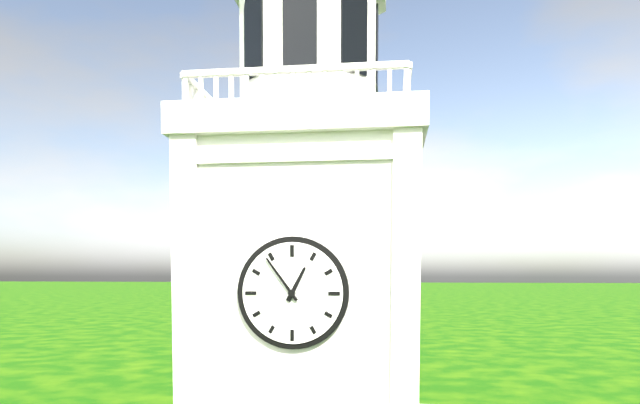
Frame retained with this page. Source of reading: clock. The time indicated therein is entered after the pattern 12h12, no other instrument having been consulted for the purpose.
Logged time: 12h54
